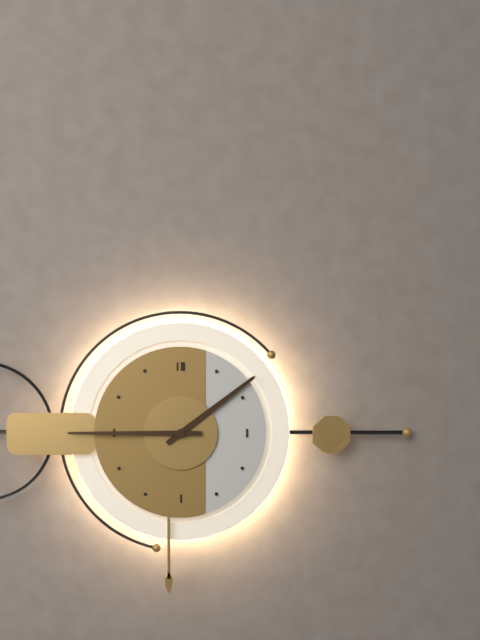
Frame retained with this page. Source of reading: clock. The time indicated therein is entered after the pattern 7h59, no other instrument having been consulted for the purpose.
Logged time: 1h45
